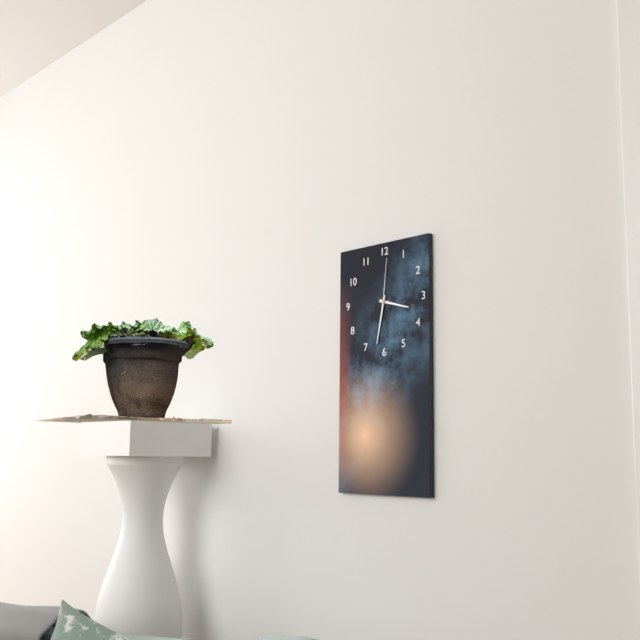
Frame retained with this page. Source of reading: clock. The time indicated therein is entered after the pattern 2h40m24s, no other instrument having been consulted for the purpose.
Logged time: 3h32m01s
